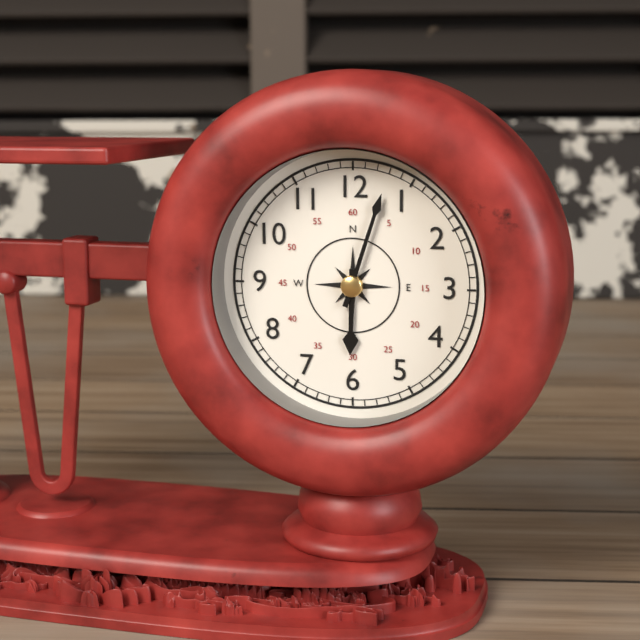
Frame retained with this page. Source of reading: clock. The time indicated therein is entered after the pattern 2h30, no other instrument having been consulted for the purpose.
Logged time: 6h03
